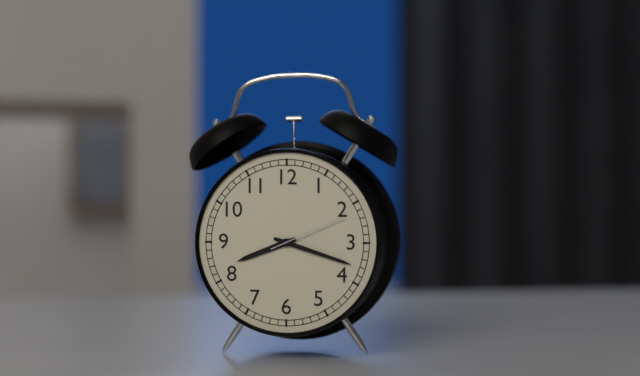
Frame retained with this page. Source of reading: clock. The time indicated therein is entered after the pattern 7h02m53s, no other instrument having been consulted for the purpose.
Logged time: 8h18m11s
